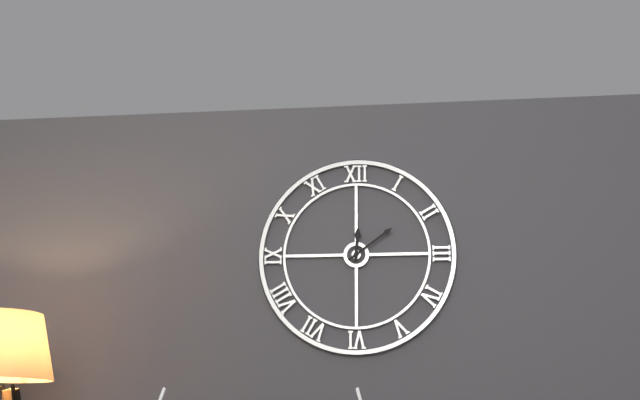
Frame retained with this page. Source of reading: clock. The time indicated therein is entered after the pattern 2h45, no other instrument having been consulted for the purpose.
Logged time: 12h09
